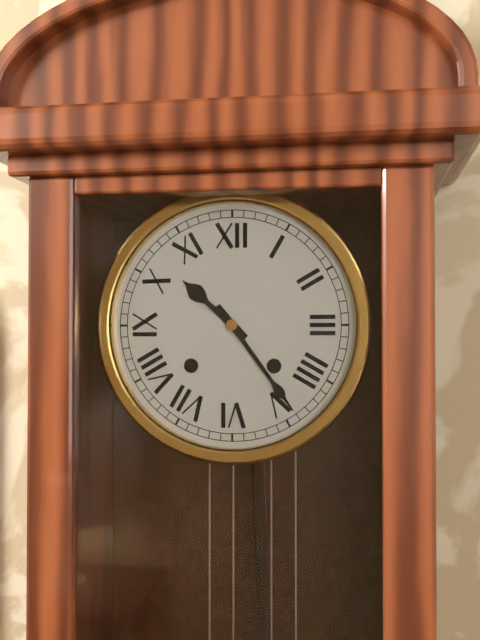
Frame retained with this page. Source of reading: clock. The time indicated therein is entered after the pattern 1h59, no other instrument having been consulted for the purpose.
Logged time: 10h24
